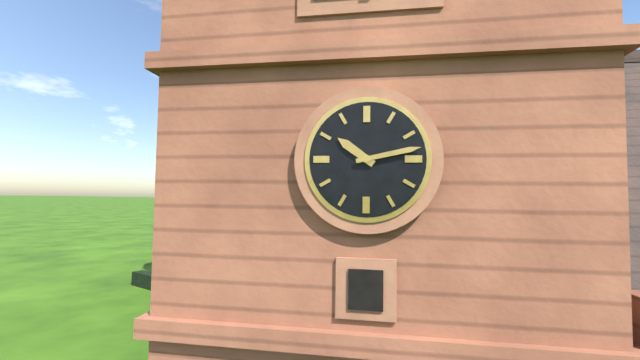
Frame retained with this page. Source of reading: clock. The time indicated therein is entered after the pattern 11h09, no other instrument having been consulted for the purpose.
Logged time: 10h13
